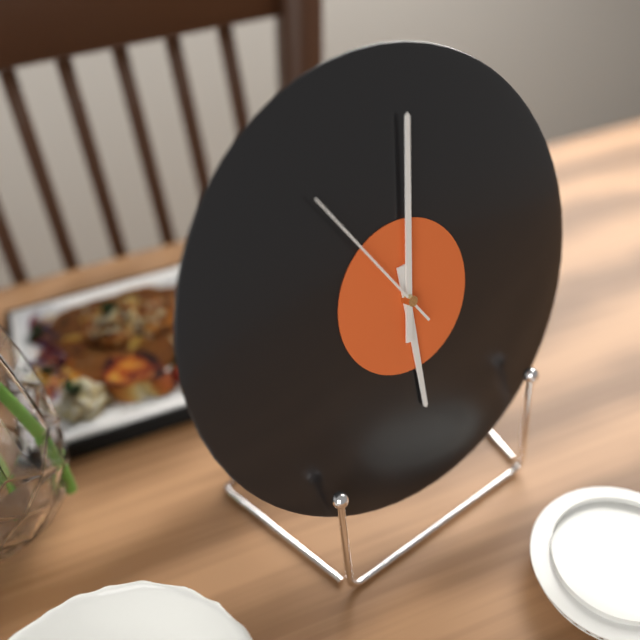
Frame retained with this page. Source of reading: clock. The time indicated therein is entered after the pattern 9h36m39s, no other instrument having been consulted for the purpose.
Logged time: 6h02m55s
